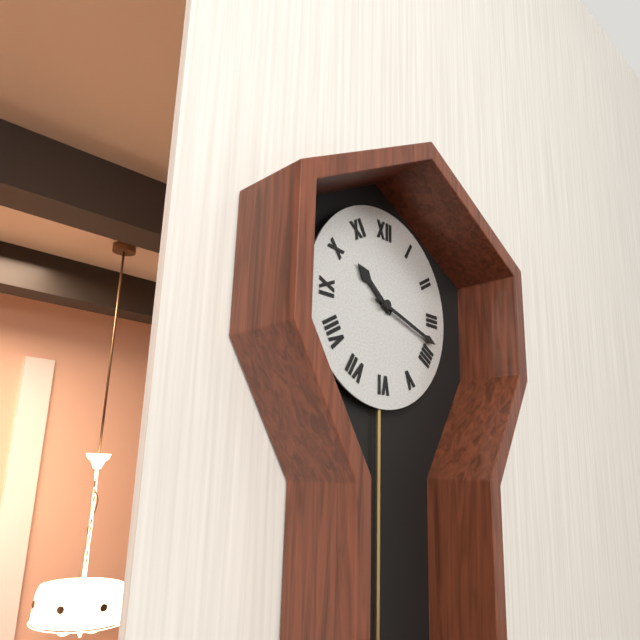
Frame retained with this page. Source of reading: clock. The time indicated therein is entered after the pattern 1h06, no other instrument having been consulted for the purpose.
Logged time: 10h18
